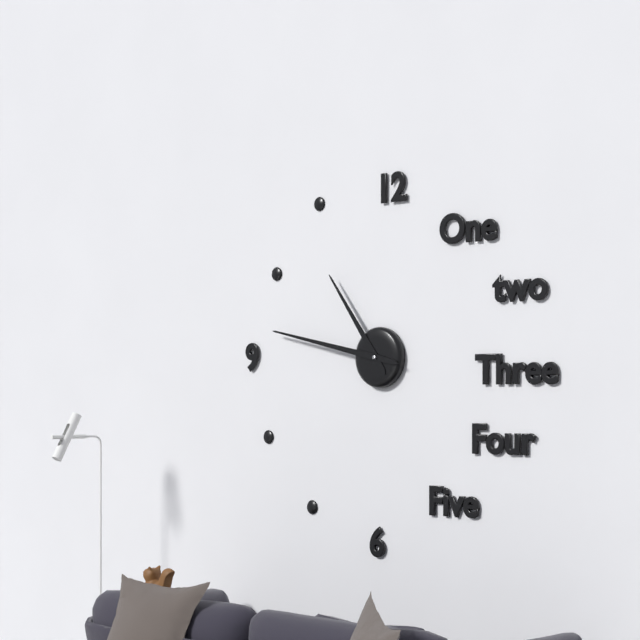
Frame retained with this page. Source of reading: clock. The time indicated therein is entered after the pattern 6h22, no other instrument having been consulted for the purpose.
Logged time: 10h47
